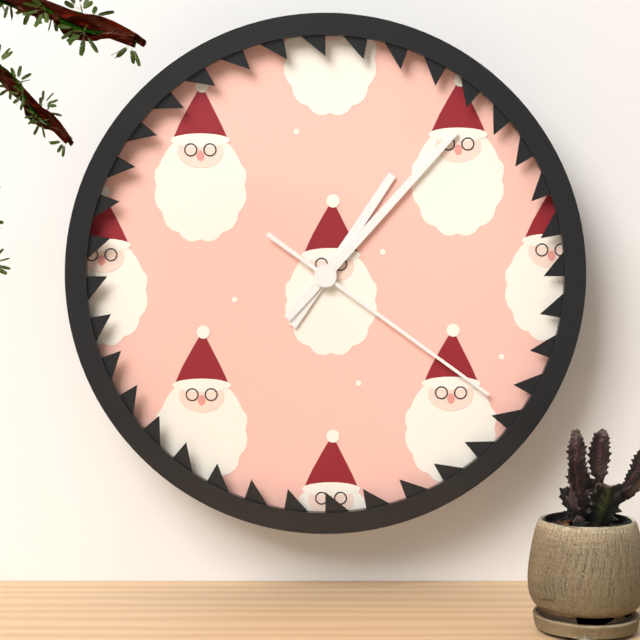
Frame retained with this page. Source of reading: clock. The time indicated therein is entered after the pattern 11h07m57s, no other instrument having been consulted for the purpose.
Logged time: 1h07m21s
